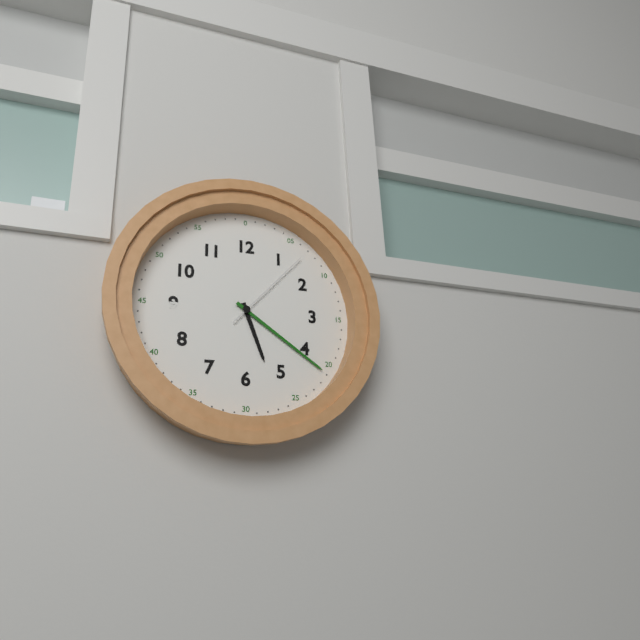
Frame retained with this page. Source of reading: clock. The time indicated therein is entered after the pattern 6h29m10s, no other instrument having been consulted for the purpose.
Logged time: 5h21m07s
